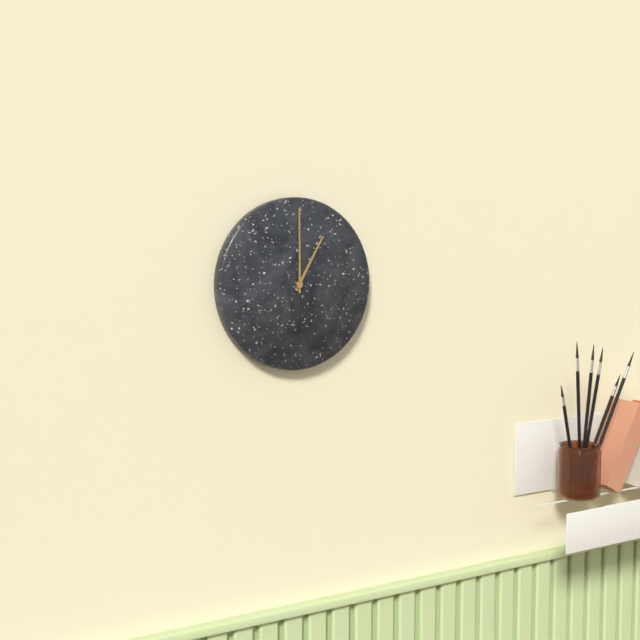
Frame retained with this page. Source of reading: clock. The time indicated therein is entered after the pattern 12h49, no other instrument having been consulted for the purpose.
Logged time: 1h00
